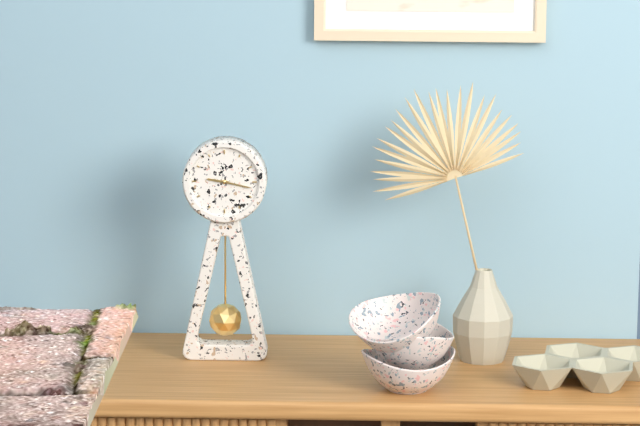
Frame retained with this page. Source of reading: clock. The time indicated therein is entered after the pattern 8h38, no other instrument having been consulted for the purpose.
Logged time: 9h17
